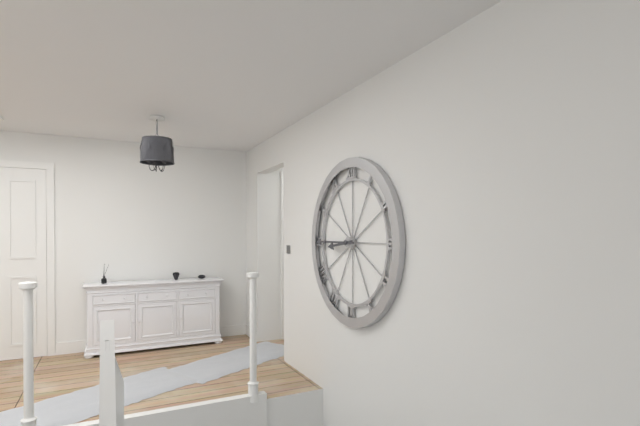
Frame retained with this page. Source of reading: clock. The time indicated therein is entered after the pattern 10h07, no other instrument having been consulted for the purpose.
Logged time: 8h45
